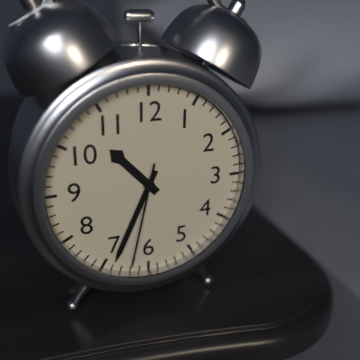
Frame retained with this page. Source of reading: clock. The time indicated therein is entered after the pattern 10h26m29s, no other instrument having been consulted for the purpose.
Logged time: 10h34m32s
